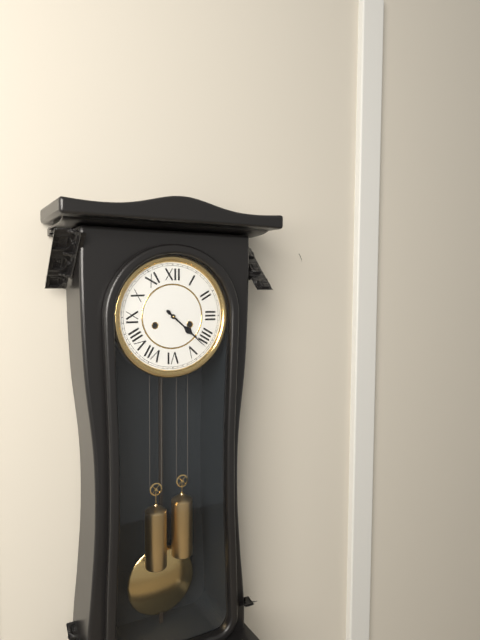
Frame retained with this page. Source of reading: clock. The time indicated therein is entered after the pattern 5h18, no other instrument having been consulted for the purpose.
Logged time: 4h22
